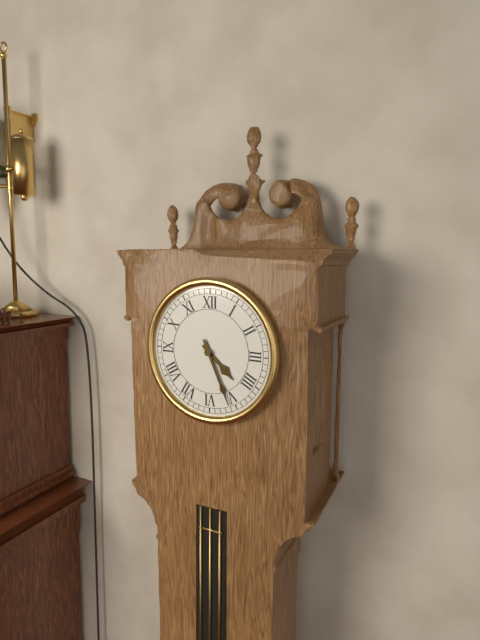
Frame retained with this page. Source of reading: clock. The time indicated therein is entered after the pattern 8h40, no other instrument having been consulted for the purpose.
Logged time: 4h26
